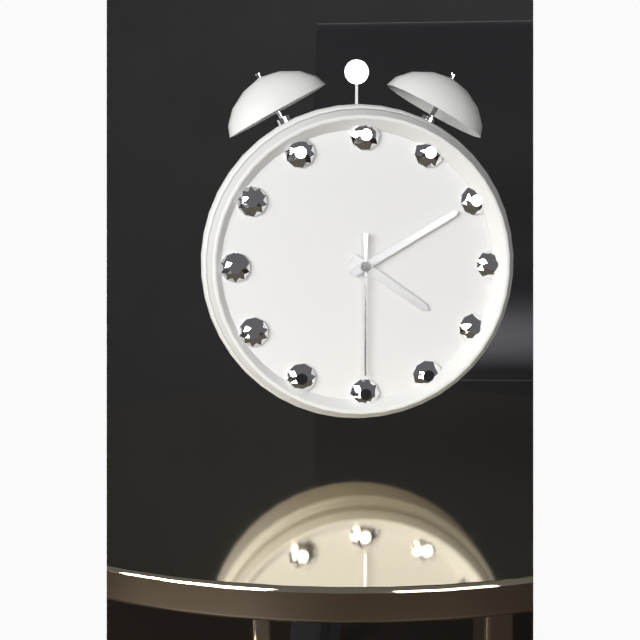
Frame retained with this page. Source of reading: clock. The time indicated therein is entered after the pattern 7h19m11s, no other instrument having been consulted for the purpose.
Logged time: 4h10m30s
